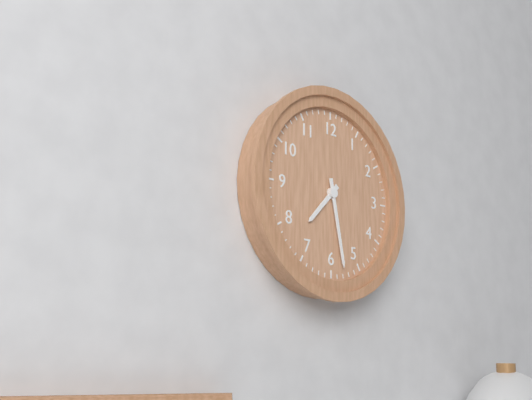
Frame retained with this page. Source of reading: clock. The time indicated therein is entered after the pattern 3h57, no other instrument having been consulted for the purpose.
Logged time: 7h28
